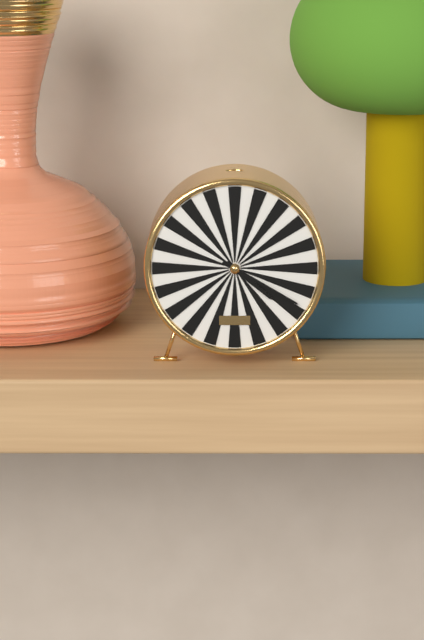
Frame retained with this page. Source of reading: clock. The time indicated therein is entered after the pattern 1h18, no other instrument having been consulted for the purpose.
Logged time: 4h20
